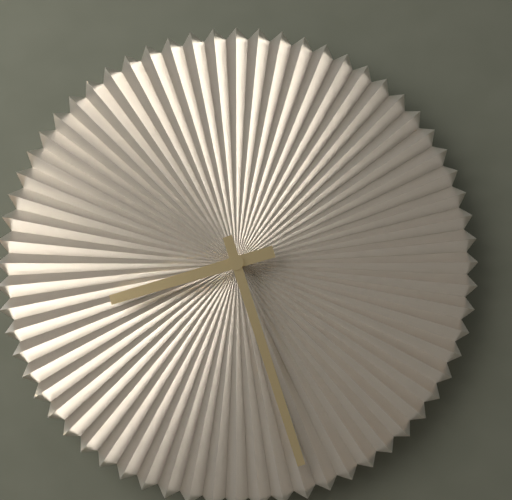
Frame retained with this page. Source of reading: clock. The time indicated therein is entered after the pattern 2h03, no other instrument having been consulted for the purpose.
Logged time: 8h27
